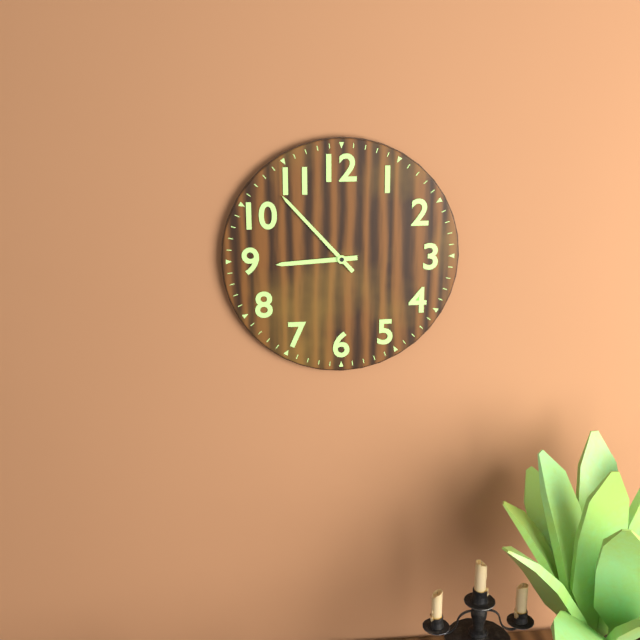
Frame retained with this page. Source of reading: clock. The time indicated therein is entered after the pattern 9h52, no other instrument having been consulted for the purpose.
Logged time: 8h53
